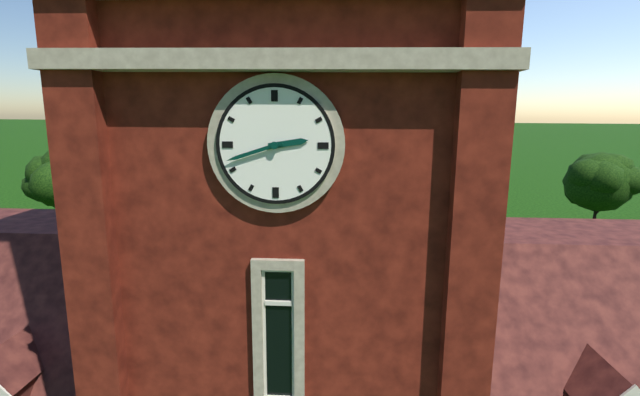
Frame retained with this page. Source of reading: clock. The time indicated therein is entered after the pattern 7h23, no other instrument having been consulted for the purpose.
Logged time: 2h42
